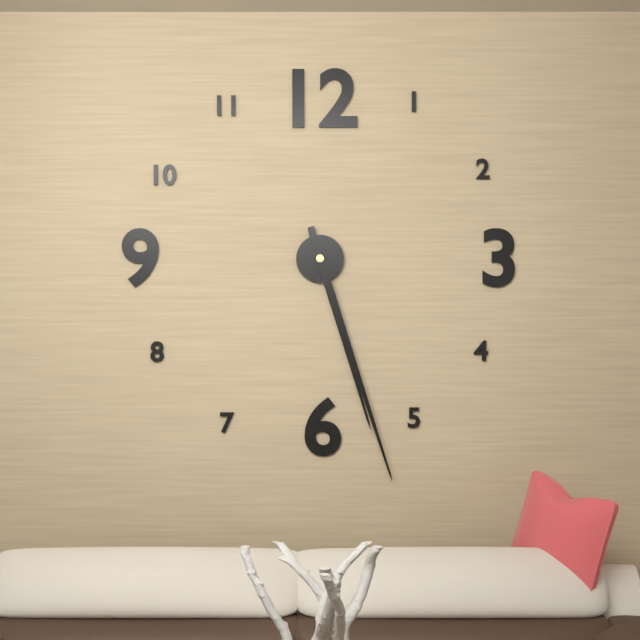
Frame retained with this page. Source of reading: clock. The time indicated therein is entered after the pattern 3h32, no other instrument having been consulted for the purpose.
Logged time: 5h27
